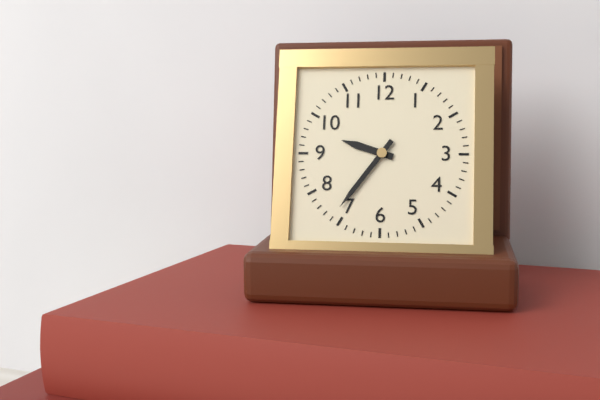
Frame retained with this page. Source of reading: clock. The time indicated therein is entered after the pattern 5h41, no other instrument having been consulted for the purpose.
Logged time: 9h36
